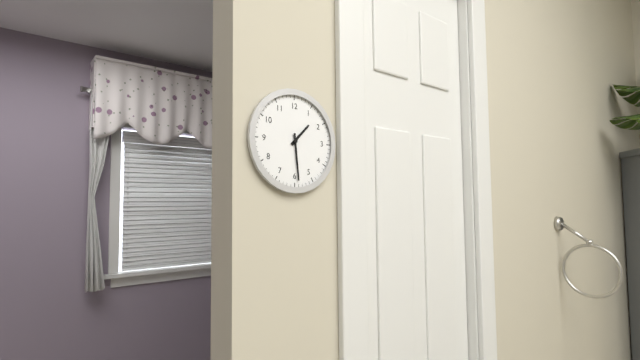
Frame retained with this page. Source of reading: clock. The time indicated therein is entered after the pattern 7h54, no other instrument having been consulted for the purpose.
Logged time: 1h29
